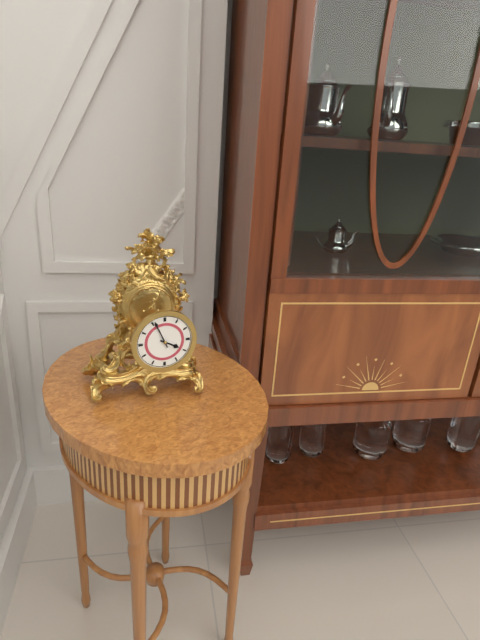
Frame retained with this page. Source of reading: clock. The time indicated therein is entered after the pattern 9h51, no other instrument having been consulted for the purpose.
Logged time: 3h56
